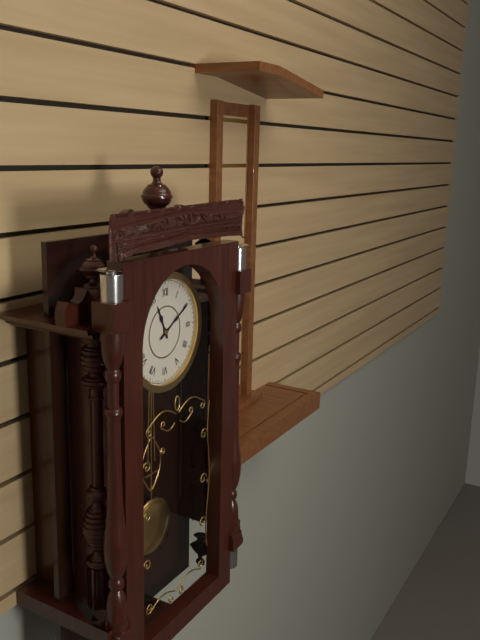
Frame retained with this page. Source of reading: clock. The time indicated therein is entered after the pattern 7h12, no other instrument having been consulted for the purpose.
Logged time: 11h10
